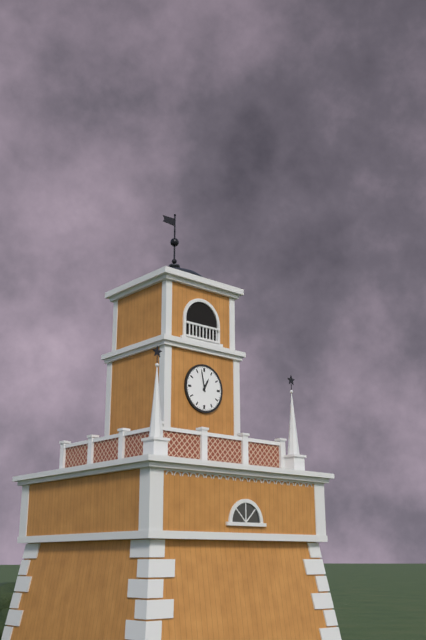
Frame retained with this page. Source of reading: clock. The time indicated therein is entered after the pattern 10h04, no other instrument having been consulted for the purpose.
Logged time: 12h58
